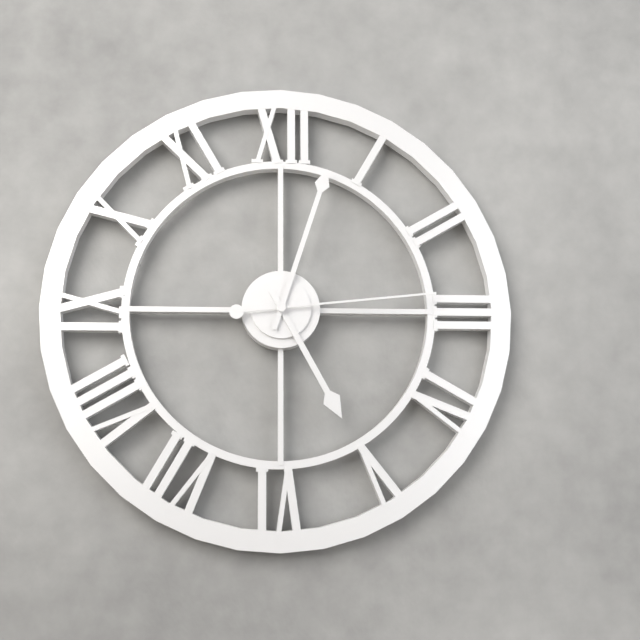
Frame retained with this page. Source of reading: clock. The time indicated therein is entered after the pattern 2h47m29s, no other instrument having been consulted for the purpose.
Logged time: 5h03m14s
